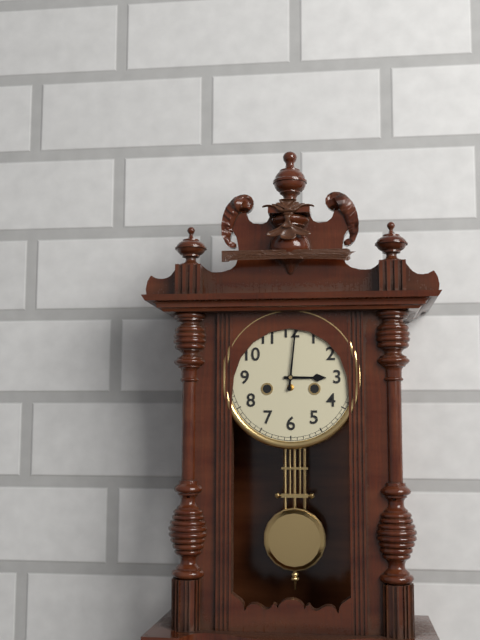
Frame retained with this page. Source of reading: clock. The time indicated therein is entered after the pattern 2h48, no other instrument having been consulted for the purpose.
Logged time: 3h01
